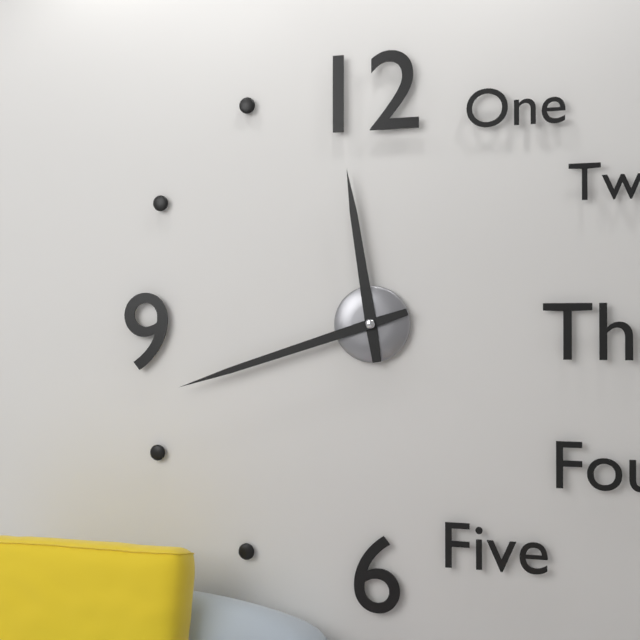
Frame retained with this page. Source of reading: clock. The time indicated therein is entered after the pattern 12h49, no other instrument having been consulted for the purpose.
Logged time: 11h42
